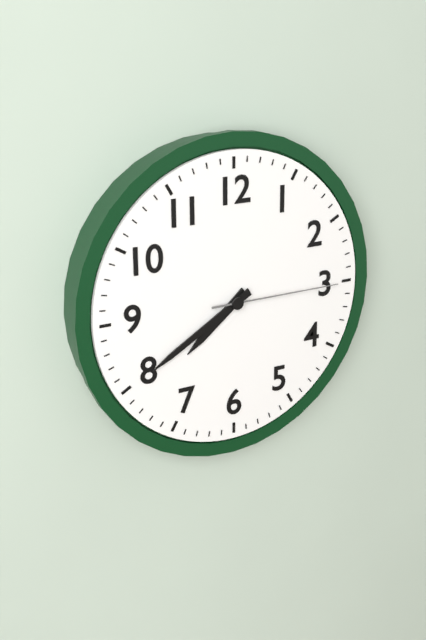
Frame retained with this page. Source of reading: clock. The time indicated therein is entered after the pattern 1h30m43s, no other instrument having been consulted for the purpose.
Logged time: 7h40m15s
